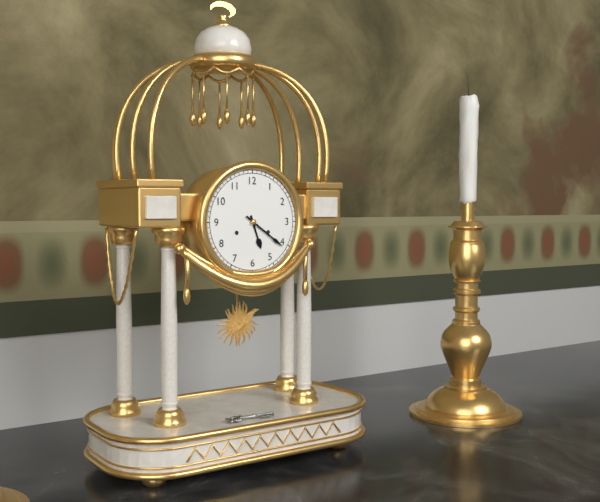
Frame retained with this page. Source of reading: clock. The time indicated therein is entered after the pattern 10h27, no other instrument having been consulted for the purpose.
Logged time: 5h21
